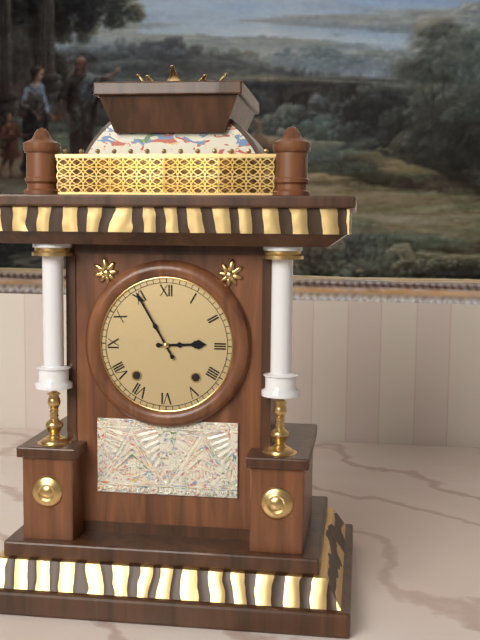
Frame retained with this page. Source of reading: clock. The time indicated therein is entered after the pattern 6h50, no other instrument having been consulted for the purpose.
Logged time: 2h55
